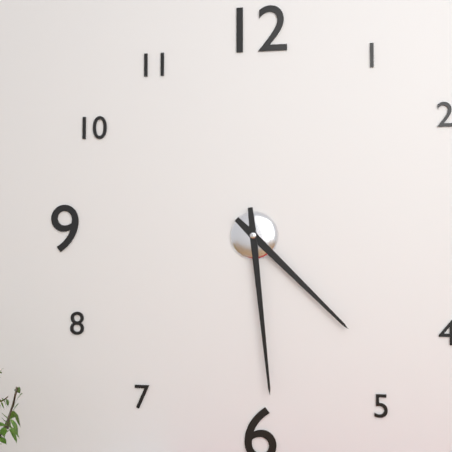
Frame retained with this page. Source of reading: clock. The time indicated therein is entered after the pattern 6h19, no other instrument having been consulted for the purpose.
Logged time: 4h29
